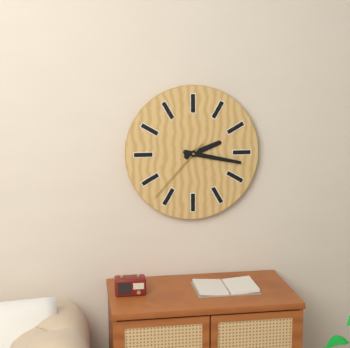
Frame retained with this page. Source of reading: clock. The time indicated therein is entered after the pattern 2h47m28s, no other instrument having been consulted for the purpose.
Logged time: 2h17m37s
